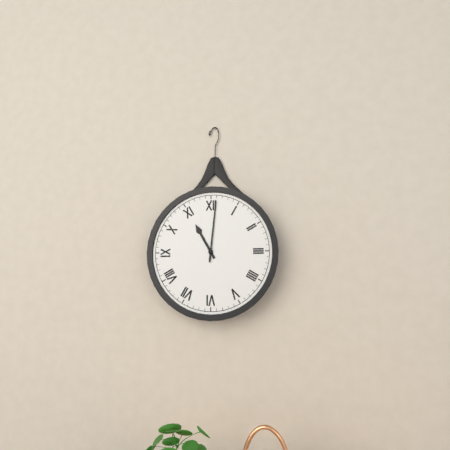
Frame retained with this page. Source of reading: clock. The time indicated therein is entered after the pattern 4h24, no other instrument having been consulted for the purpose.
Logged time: 11h01
